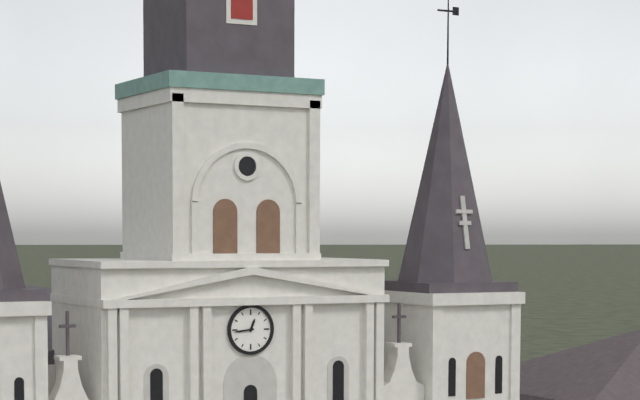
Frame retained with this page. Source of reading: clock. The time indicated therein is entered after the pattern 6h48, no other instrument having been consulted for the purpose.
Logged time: 12h44
